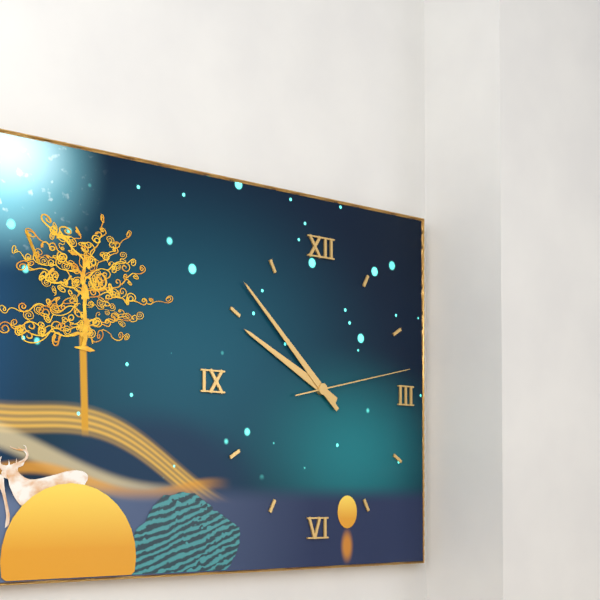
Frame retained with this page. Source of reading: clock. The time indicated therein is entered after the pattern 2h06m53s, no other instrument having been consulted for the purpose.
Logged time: 9h52m13s
